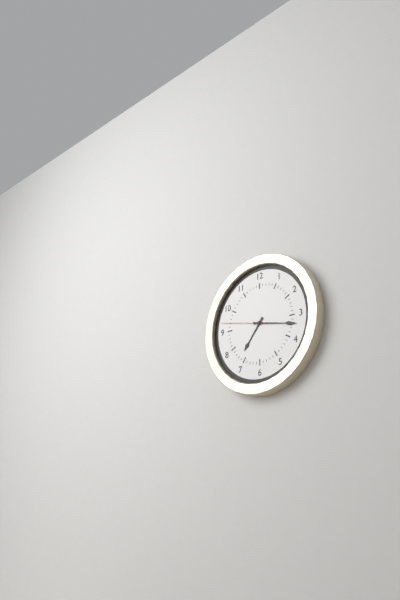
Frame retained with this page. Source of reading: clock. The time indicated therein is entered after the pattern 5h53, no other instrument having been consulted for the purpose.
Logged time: 7h17
